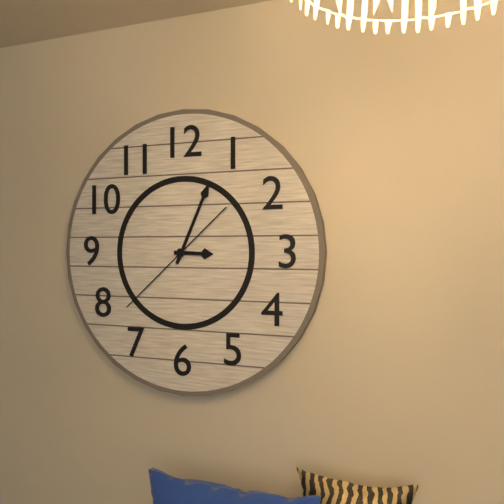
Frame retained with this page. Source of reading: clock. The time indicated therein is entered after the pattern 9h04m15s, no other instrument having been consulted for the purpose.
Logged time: 3h04m38s
